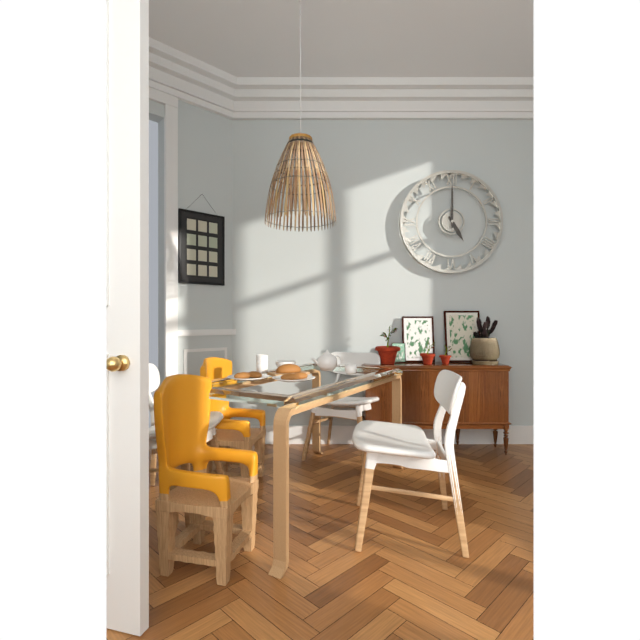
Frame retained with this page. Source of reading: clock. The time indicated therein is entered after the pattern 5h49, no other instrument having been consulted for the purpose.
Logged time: 5h00
